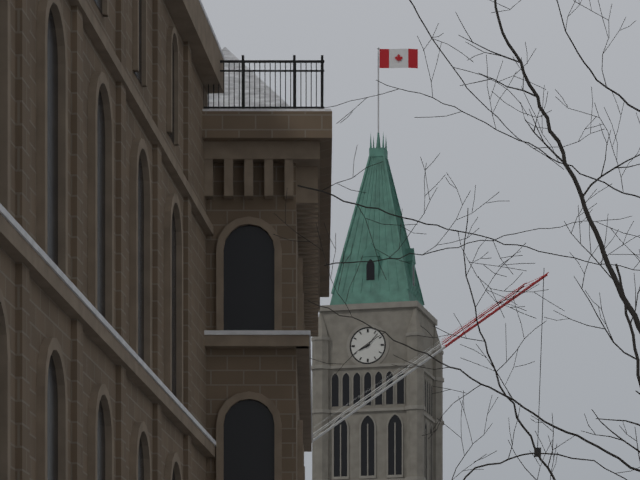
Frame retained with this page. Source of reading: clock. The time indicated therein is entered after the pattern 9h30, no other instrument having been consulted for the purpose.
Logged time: 8h07
